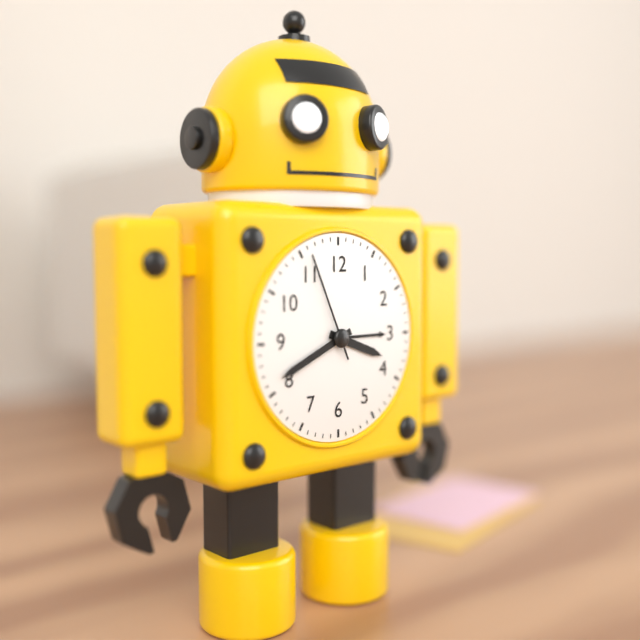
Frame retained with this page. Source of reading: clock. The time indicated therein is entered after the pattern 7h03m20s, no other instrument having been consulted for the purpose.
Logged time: 3h41m56s
